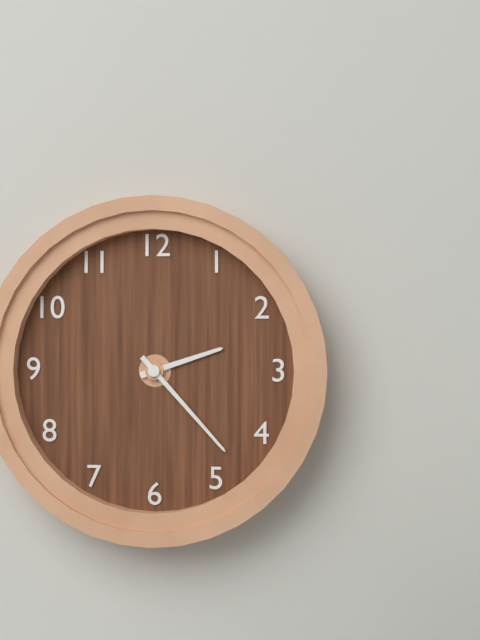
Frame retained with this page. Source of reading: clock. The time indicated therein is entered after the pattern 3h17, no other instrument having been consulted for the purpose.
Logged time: 2h23
